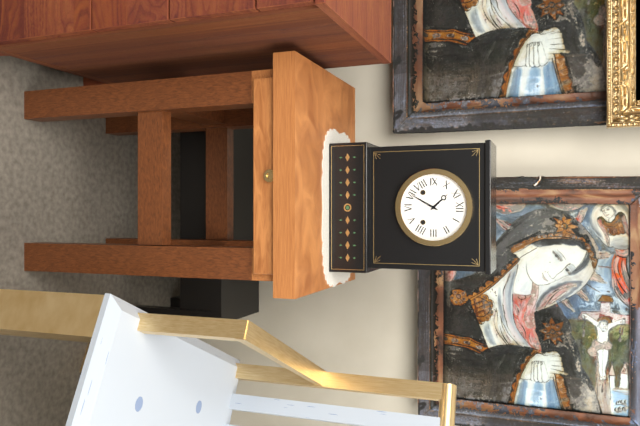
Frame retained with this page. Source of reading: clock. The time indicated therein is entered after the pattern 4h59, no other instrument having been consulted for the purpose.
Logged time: 10h35
